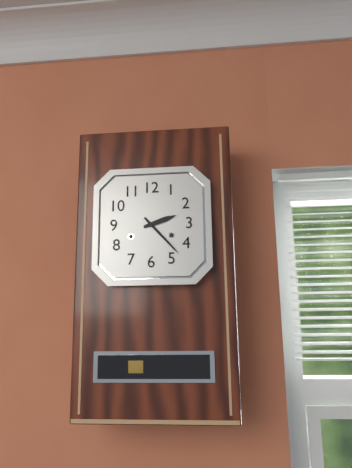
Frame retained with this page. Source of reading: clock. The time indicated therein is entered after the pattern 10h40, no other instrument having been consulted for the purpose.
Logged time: 2h23
